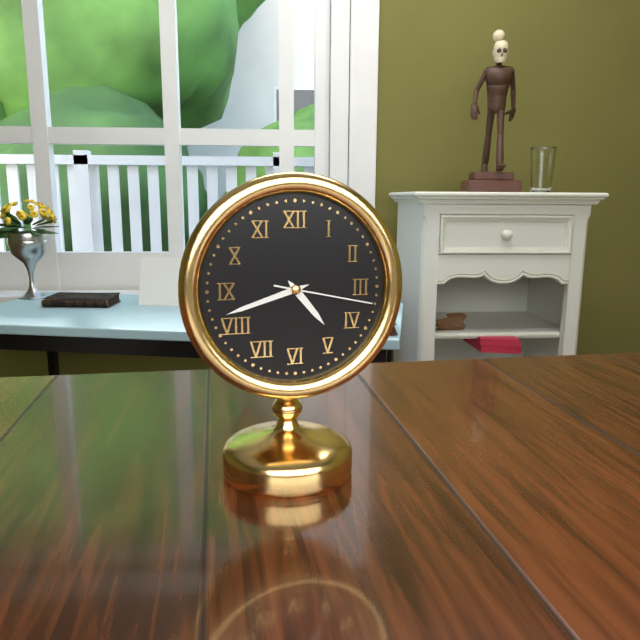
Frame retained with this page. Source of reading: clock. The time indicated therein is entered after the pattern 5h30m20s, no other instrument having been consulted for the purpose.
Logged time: 4h42m17s
